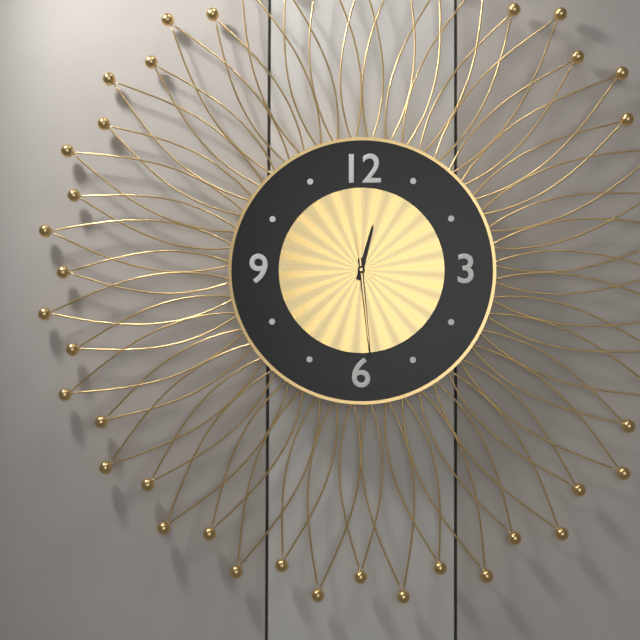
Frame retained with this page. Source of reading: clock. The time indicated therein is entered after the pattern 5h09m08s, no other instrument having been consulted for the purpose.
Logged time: 12h29m29s
